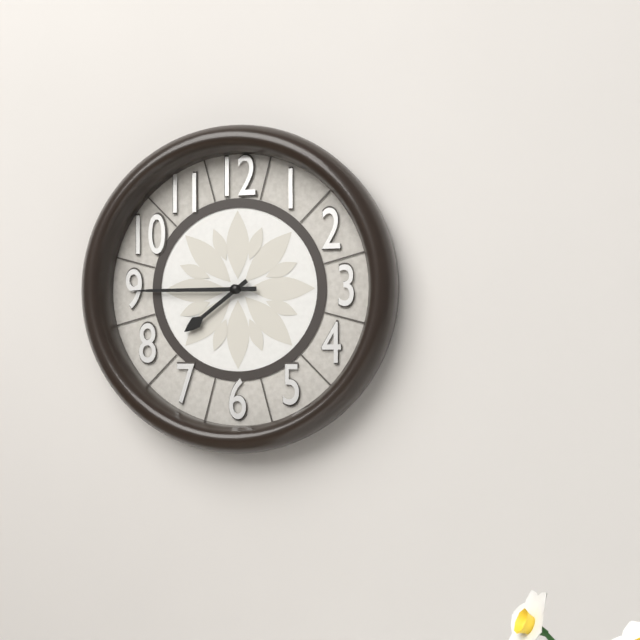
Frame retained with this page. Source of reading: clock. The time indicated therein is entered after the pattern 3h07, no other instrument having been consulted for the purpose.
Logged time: 7h45
